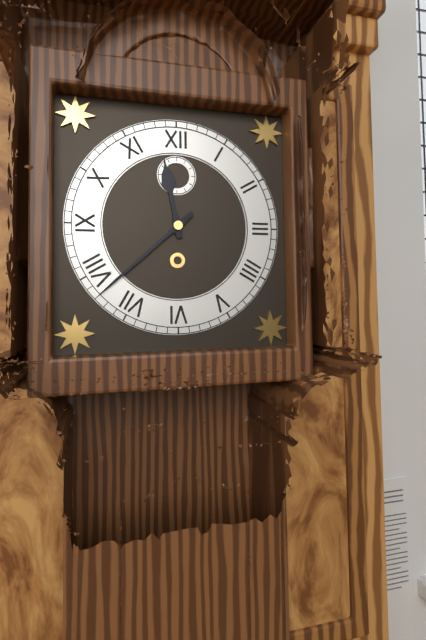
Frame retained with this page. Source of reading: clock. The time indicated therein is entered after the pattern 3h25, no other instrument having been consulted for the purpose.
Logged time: 11h38
